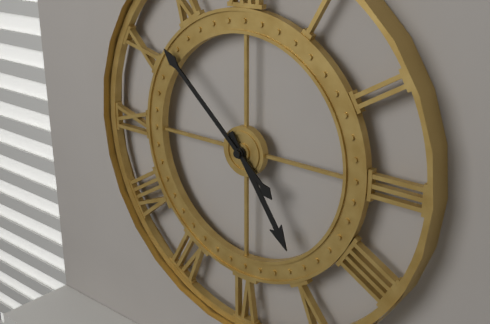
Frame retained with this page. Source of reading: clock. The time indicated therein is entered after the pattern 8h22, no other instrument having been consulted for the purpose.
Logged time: 4h52
